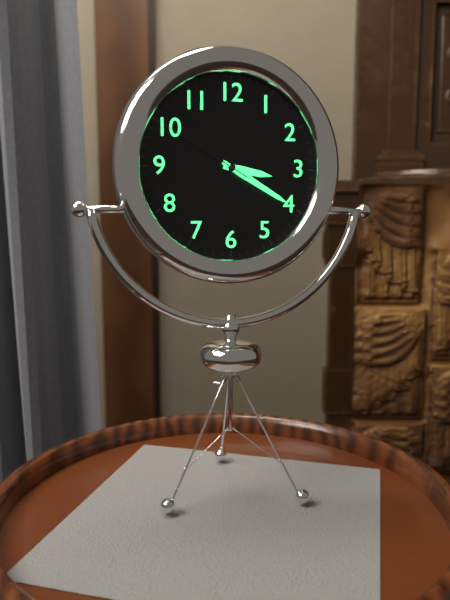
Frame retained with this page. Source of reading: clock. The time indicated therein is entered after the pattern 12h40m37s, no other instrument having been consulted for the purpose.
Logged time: 3h20m50s
